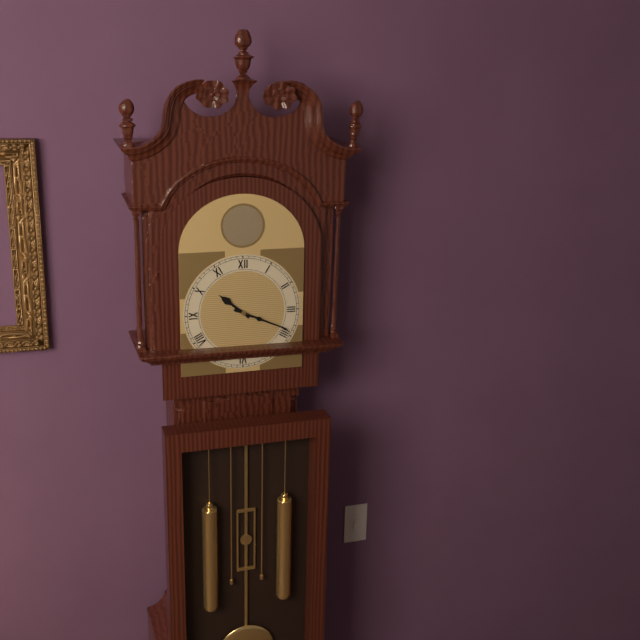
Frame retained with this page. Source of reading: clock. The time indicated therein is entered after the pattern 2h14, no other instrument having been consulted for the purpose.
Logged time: 10h19
